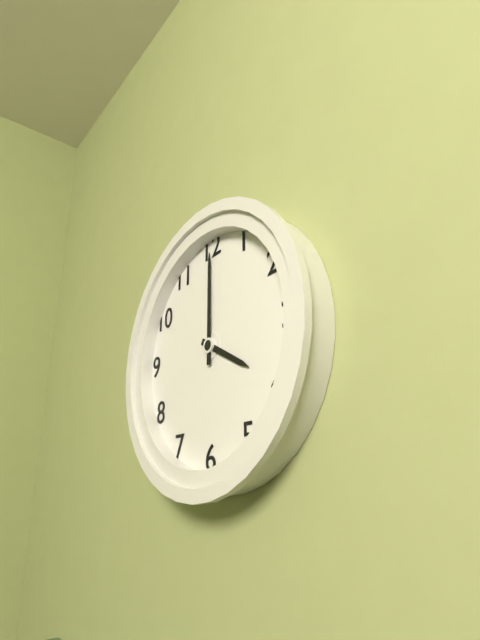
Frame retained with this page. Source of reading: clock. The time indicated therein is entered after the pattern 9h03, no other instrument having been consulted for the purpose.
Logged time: 4h00
